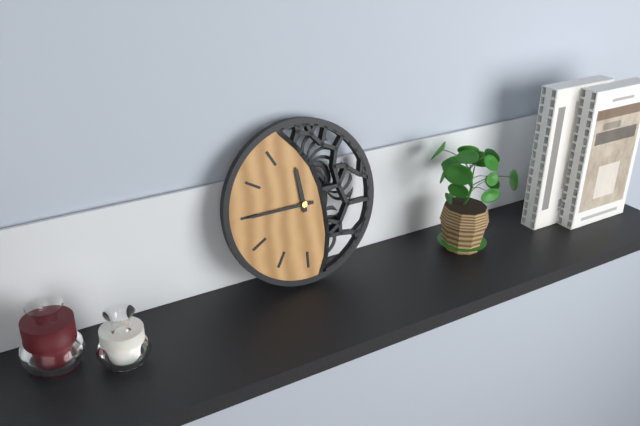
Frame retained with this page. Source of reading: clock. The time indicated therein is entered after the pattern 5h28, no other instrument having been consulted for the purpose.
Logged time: 11h45
